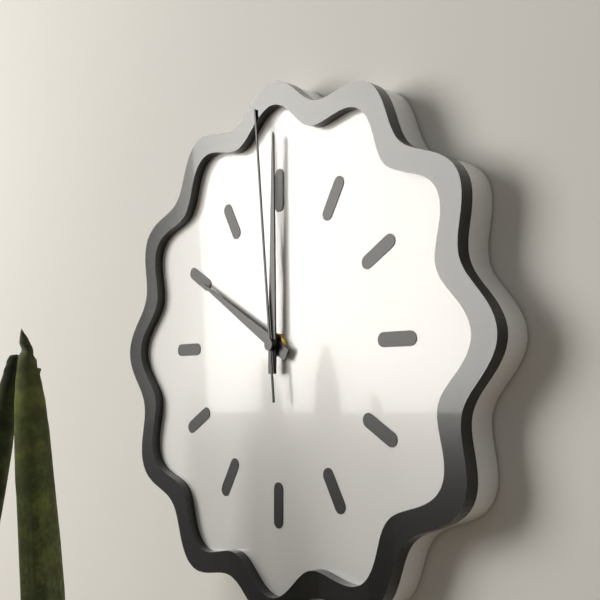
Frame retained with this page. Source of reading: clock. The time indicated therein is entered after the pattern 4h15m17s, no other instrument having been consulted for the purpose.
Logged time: 10h00m59s
